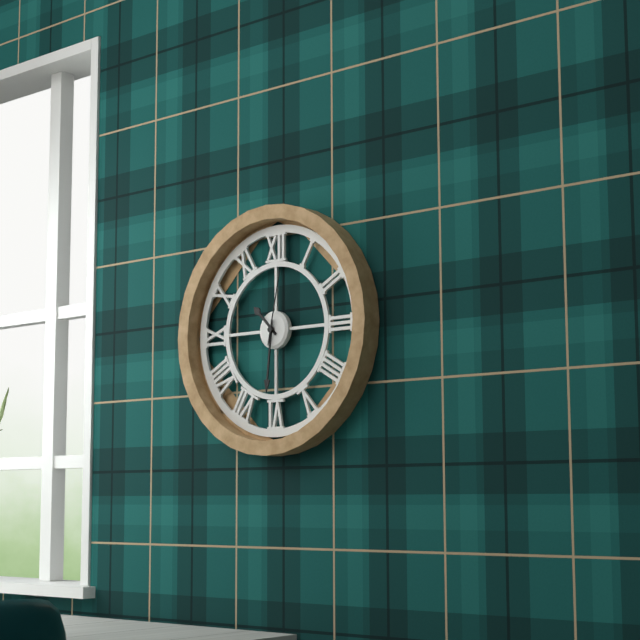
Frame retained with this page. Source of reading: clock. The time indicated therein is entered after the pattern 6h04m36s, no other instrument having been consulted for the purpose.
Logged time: 10h31m02s
